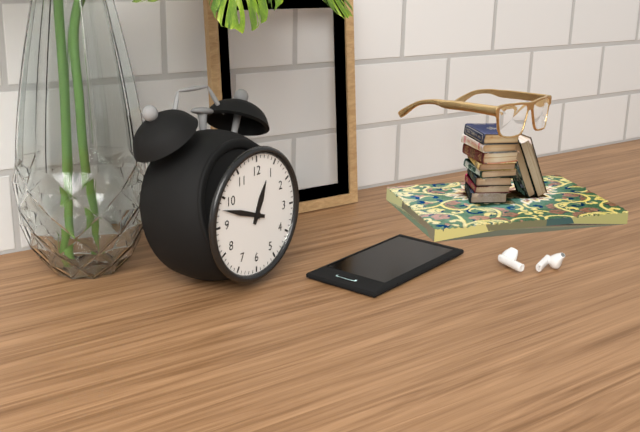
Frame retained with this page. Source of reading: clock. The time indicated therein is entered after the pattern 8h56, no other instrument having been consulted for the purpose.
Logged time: 12h48
